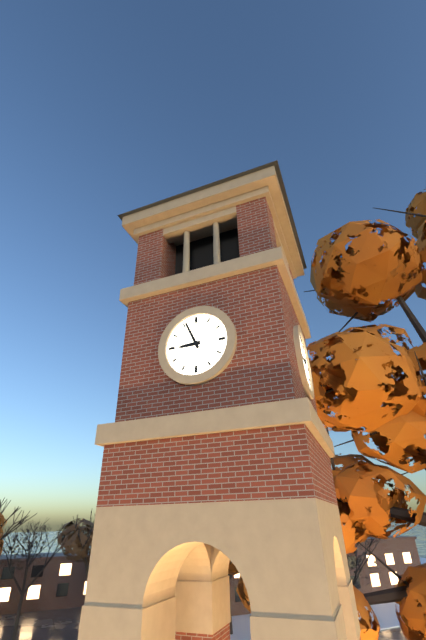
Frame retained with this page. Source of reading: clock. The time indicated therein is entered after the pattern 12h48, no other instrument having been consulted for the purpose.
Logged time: 8h56
